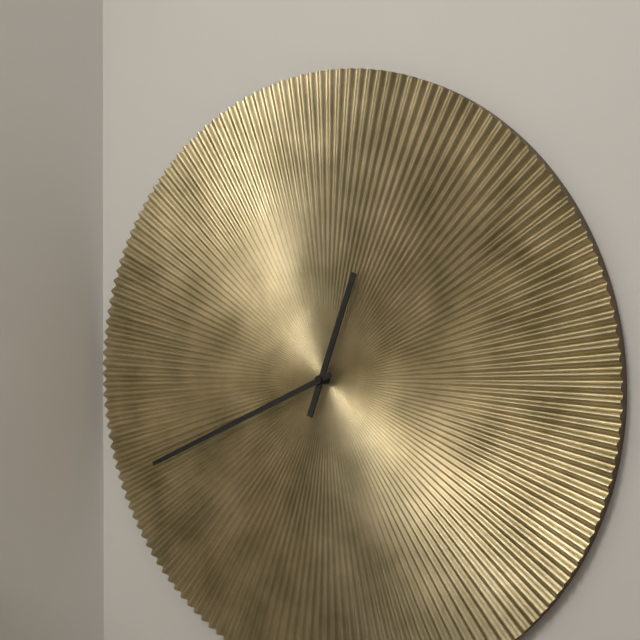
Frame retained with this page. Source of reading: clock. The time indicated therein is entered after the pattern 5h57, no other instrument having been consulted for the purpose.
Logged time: 12h41
